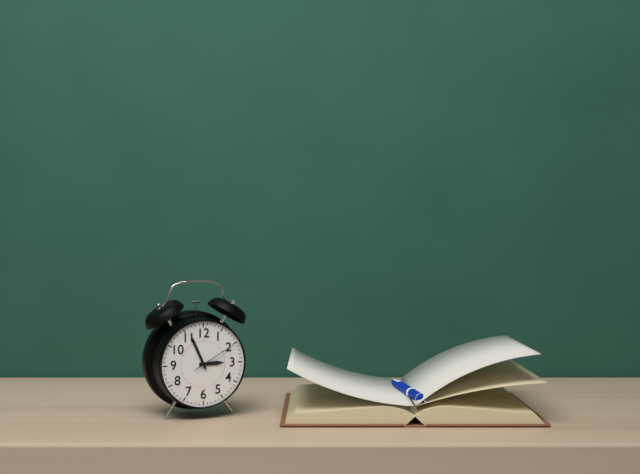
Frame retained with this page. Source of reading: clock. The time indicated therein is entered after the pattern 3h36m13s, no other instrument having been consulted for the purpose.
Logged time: 2h56m10s
